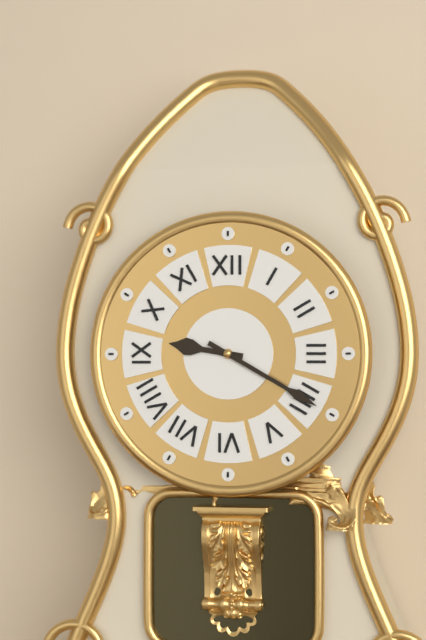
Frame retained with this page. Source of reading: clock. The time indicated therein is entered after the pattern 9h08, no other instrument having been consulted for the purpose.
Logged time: 9h20
